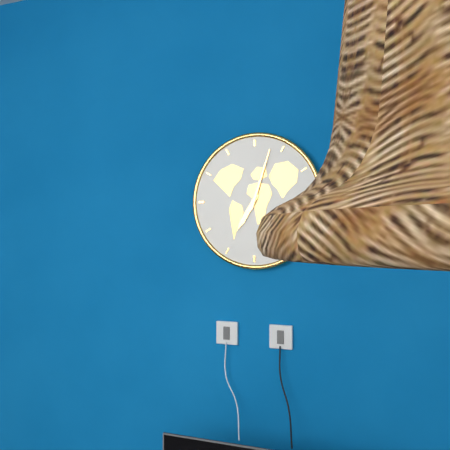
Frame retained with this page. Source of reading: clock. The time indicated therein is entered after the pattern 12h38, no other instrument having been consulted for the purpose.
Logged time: 7h03
